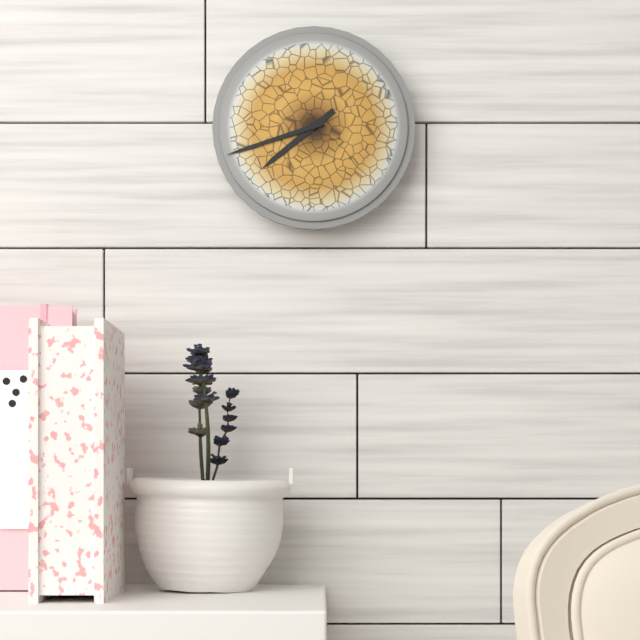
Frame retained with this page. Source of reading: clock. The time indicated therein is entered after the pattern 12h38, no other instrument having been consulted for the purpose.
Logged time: 7h42
